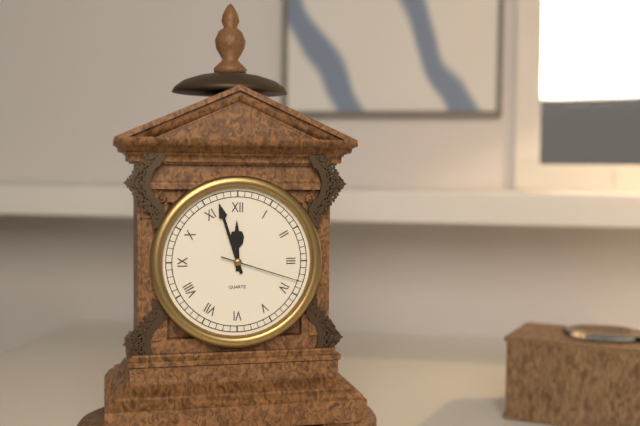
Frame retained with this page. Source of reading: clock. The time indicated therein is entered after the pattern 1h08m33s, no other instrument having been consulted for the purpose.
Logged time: 11h57m18s
